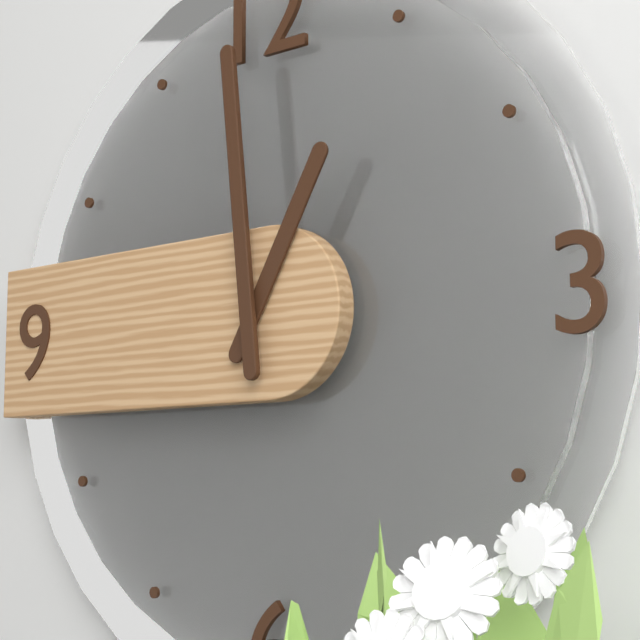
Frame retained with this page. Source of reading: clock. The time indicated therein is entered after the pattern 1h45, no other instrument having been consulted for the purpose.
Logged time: 12h59
